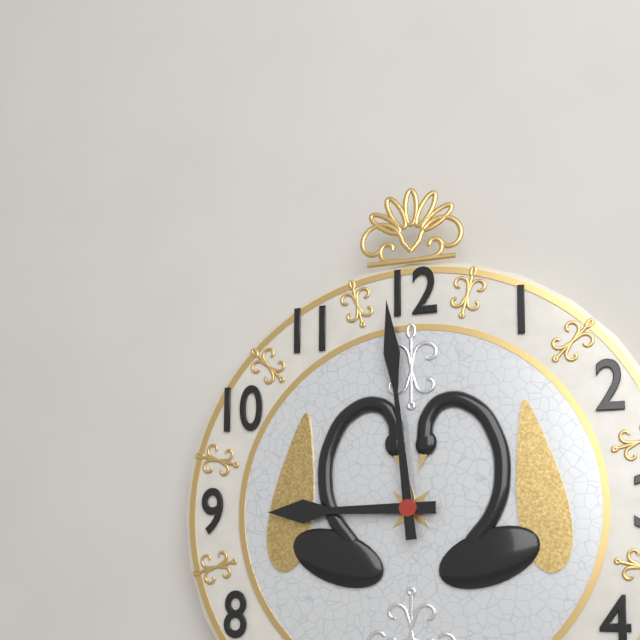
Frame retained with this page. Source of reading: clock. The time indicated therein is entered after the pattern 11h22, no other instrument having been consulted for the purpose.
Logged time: 8h59
